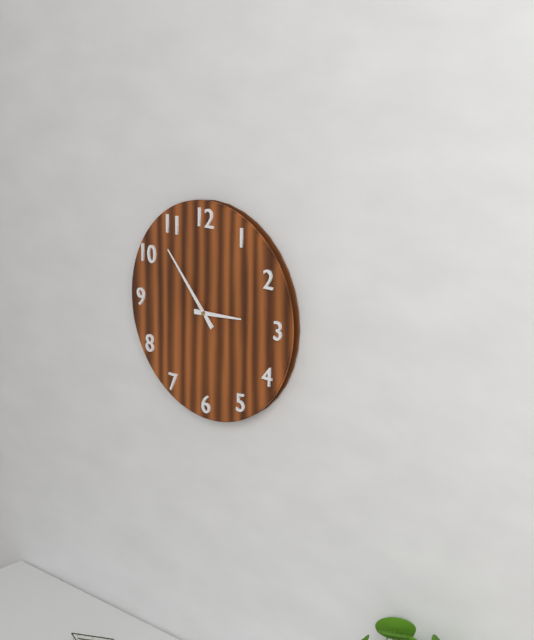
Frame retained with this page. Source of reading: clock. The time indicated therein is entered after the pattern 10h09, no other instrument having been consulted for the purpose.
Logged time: 2h53
